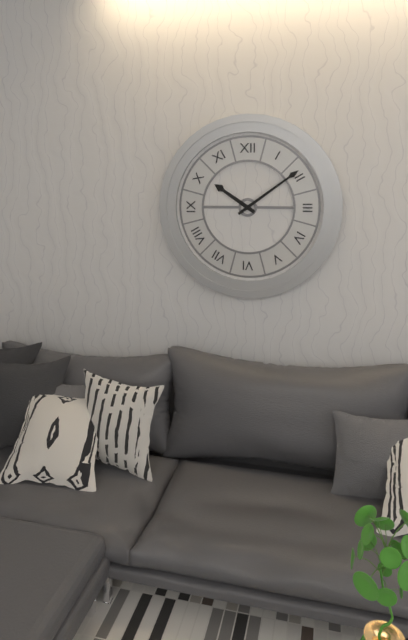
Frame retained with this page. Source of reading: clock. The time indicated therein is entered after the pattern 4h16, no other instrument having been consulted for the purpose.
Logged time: 10h09
